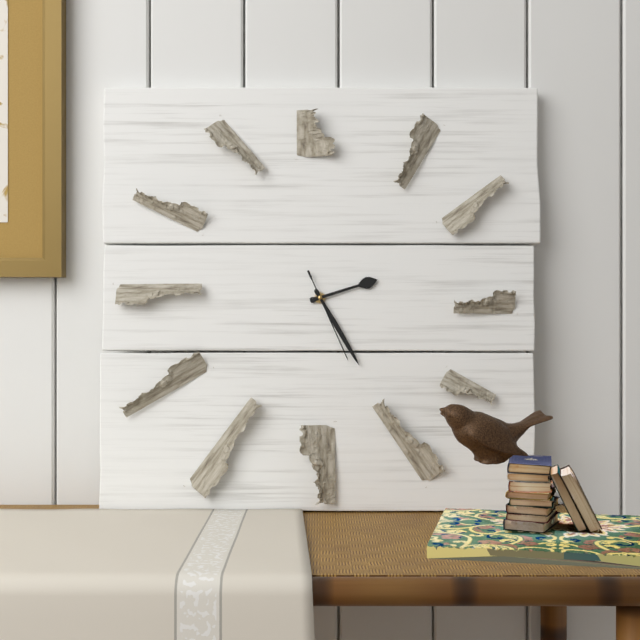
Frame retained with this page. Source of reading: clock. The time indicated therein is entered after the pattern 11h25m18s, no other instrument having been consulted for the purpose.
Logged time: 2h25m26s
